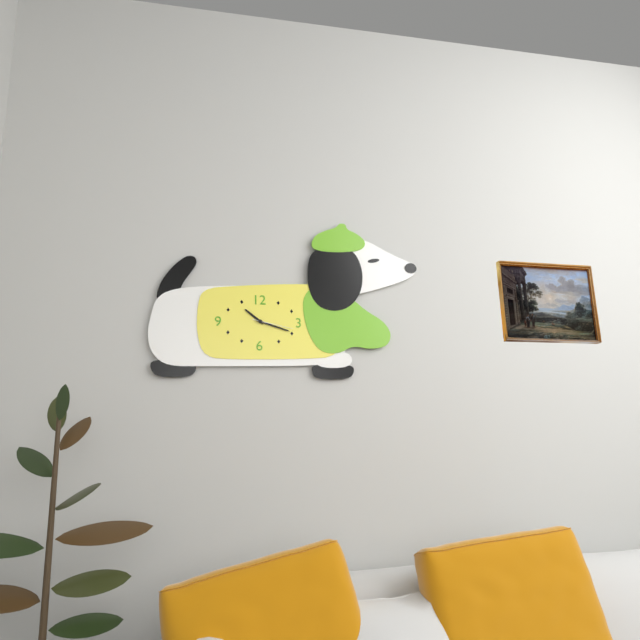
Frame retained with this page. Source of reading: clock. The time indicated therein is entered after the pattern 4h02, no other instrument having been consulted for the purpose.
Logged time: 10h18
